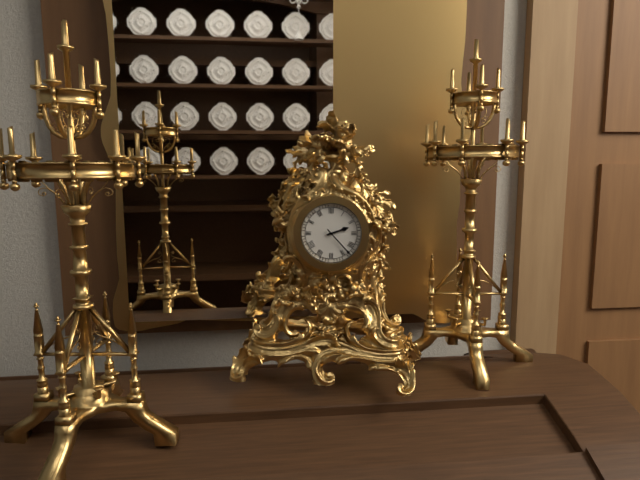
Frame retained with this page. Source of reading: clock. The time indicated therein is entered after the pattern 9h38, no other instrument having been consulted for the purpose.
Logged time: 2h23
